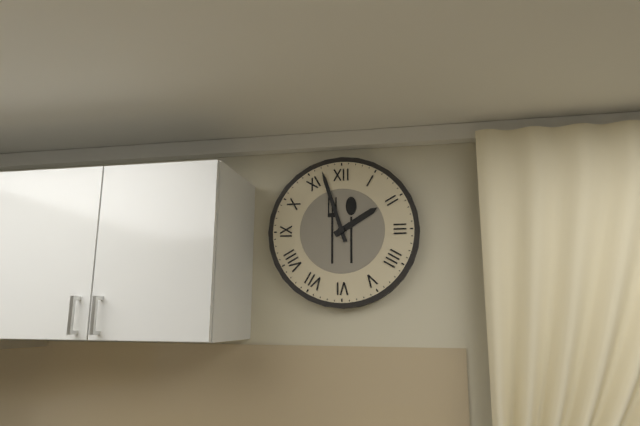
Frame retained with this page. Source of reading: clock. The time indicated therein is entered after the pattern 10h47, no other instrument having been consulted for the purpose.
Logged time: 1h57
